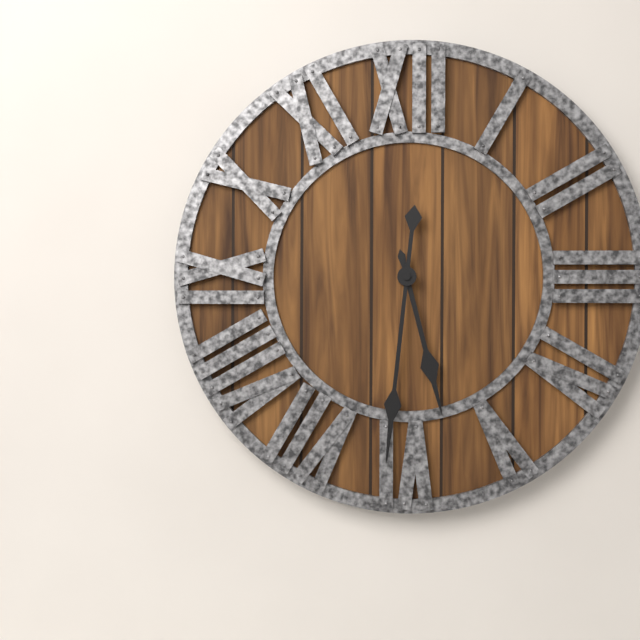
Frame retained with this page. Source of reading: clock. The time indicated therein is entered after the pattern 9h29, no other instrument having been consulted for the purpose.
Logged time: 5h31
